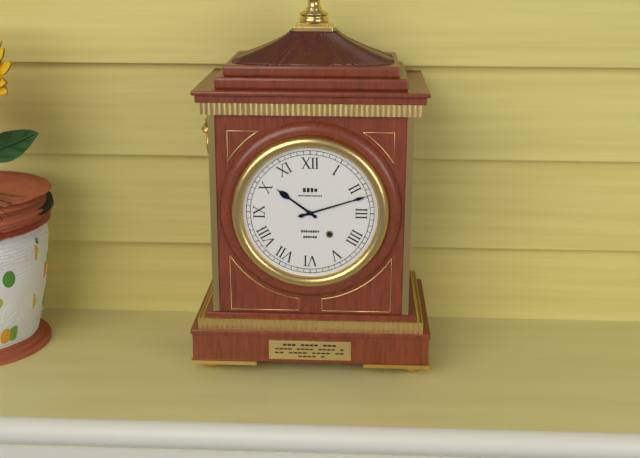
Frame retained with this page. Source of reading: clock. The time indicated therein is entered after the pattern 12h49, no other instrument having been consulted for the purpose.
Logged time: 10h12
